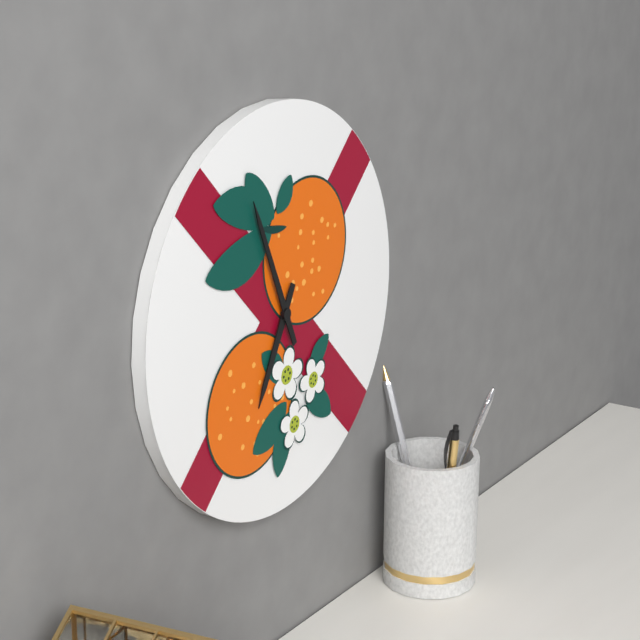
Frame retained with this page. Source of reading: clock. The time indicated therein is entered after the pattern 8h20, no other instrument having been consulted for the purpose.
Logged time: 6h56
